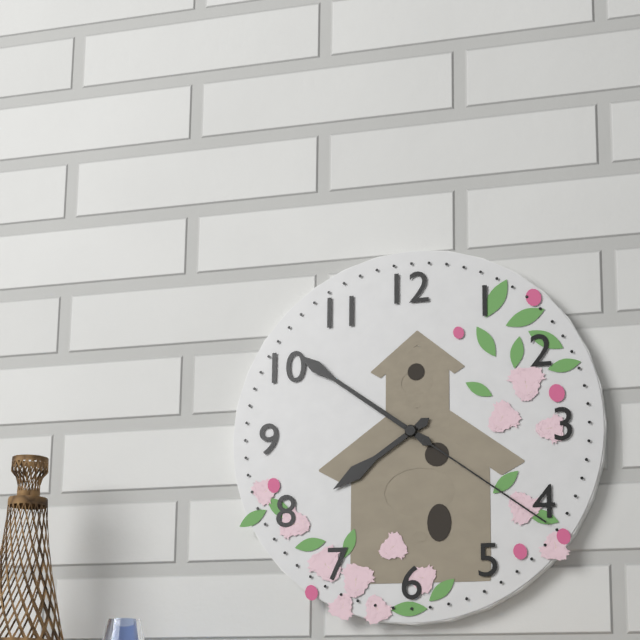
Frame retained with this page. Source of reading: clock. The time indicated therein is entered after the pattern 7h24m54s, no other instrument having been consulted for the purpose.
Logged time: 7h51m21s
